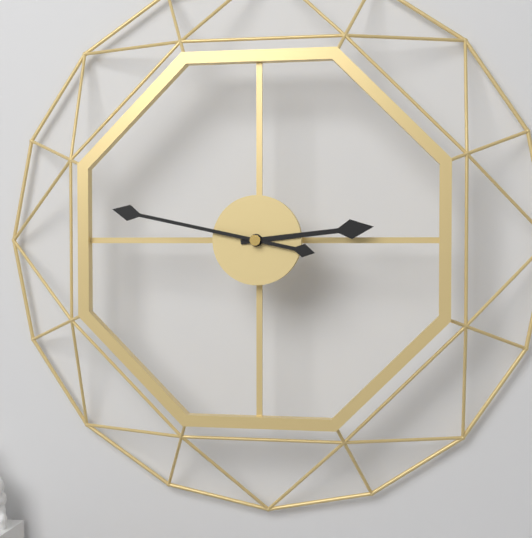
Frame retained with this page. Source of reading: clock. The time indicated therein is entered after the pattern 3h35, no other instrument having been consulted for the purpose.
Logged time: 2h47
